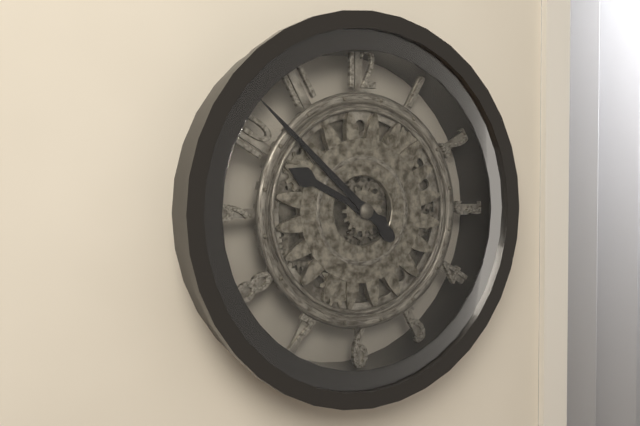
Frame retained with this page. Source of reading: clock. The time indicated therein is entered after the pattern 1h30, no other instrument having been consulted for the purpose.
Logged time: 9h52
